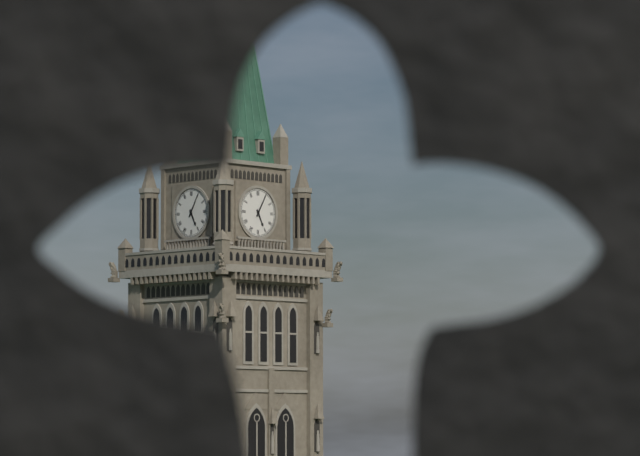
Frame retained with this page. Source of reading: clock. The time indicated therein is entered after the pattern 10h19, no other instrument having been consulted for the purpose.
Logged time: 5h05
